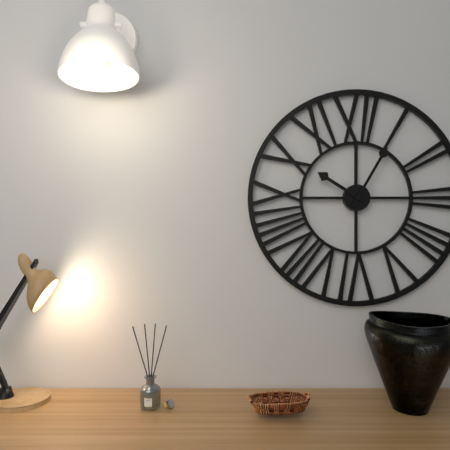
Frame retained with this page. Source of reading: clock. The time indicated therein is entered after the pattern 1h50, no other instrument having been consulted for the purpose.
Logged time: 10h05
